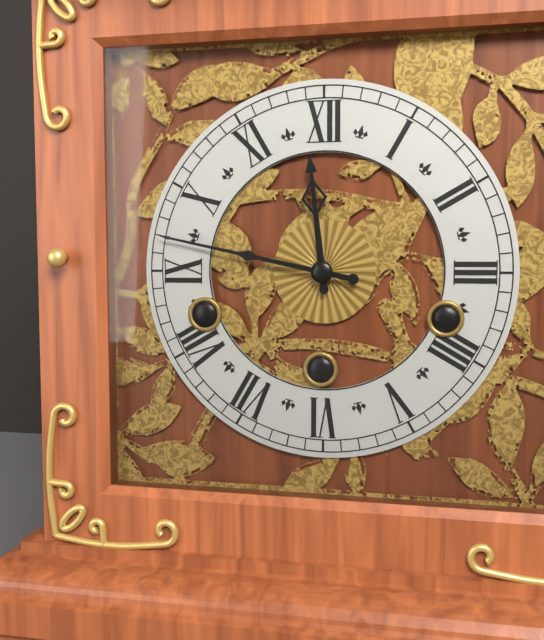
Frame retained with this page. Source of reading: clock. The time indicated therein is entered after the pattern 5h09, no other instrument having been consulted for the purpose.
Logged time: 11h47
